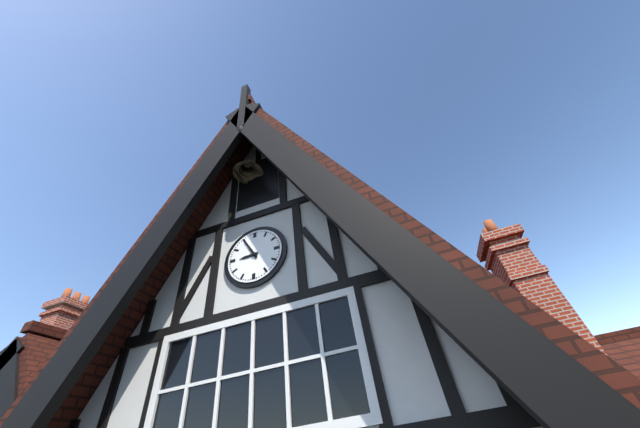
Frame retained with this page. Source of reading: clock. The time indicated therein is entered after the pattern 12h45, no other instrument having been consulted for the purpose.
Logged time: 8h55
